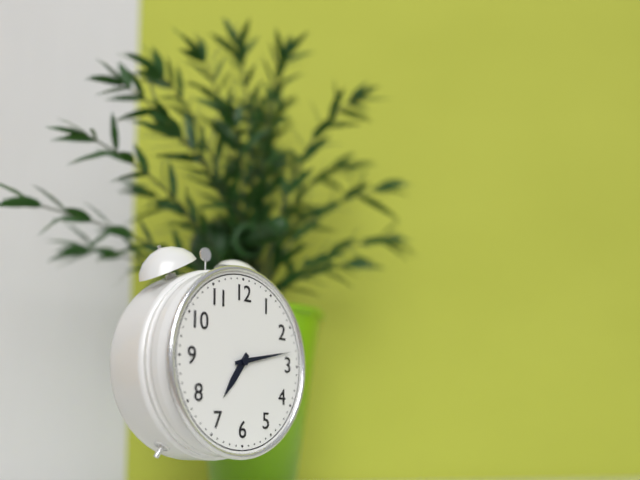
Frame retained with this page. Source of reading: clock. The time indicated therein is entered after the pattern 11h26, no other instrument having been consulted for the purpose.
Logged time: 7h13
